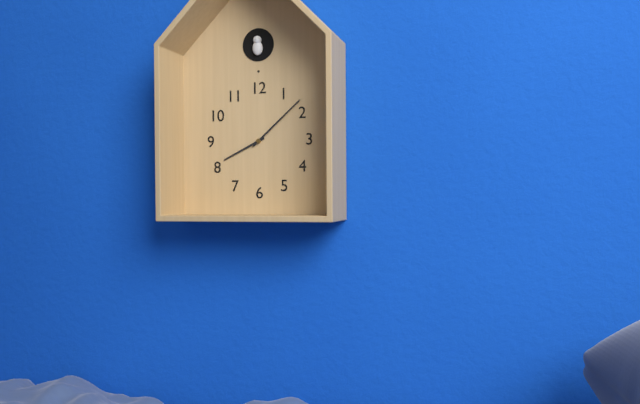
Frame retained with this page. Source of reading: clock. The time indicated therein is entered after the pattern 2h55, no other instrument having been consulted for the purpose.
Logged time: 8h08
